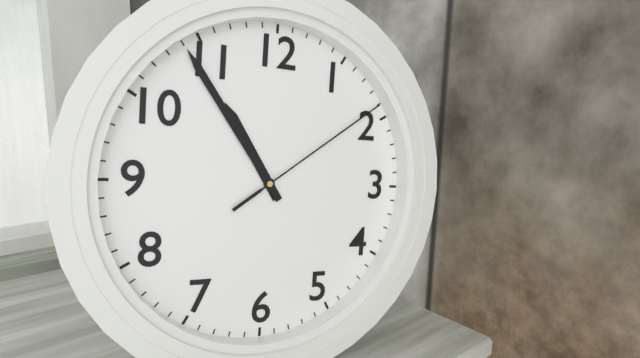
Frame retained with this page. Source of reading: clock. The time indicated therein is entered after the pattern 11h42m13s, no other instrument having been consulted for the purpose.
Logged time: 10h54m09s
